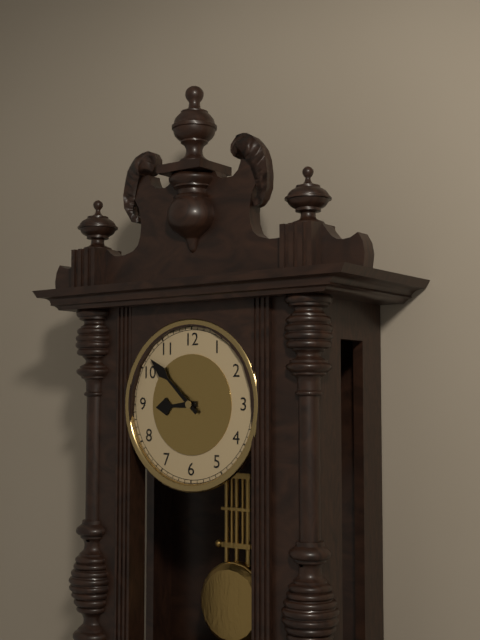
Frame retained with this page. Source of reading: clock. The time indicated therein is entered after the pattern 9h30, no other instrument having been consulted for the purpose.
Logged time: 8h52
